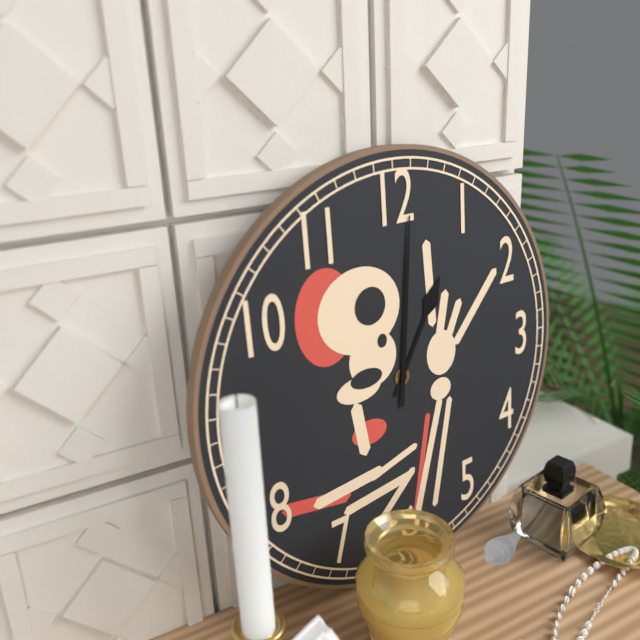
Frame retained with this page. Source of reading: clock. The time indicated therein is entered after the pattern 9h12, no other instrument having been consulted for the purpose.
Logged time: 1h01
